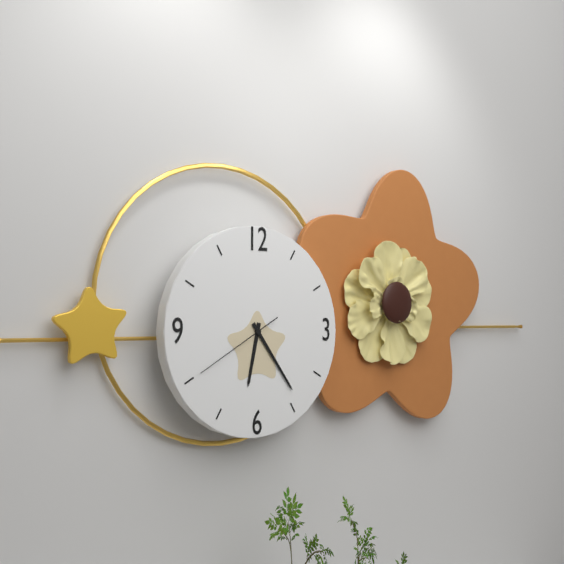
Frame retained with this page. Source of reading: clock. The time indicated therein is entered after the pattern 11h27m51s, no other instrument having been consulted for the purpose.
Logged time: 6h24m40s
